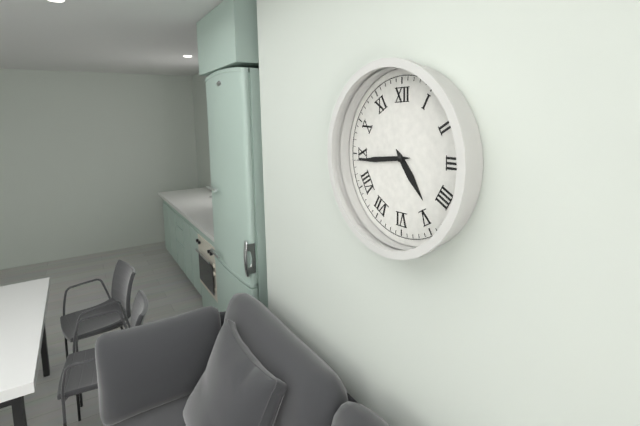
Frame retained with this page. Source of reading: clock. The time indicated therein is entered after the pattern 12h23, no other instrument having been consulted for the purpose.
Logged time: 4h44
